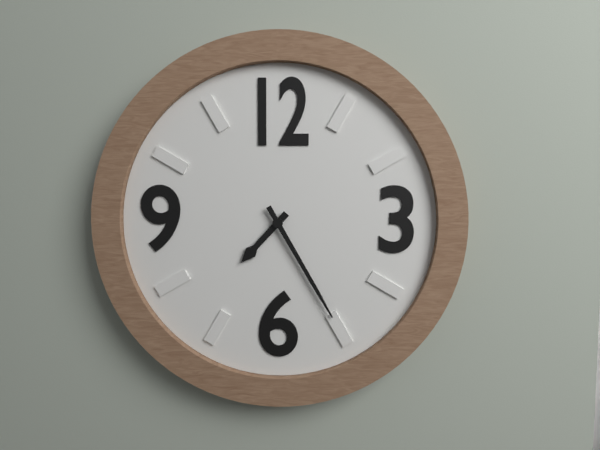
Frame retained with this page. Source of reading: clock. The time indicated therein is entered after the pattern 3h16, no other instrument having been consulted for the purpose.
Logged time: 7h25
